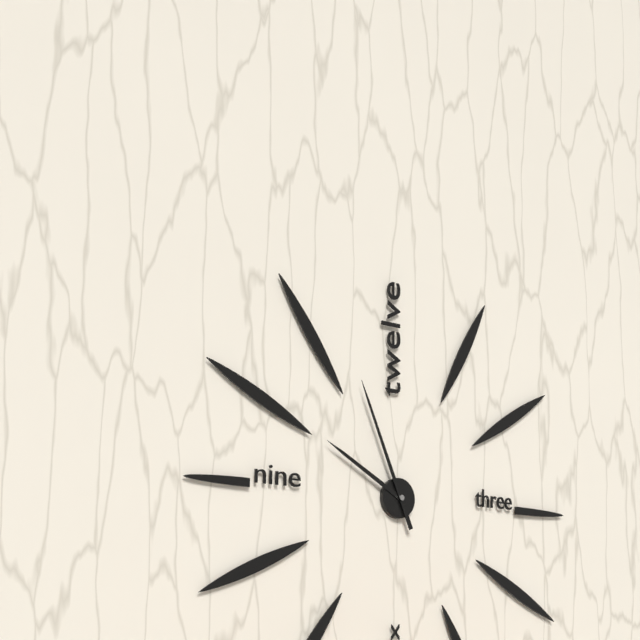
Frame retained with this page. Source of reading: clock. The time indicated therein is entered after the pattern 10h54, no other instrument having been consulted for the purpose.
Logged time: 9h56
